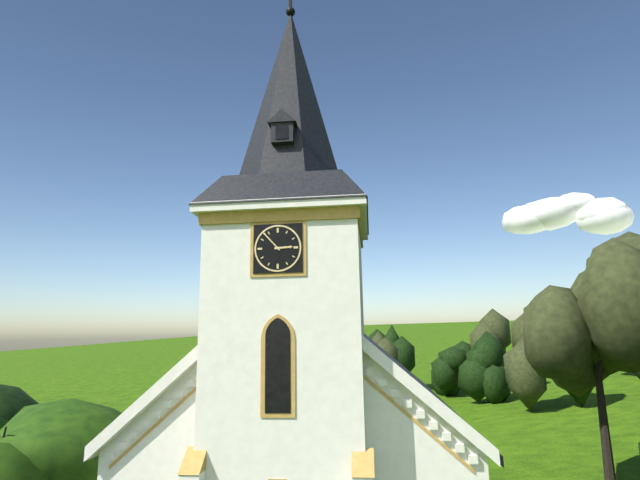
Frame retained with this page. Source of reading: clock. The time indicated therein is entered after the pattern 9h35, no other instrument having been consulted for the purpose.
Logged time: 2h53
